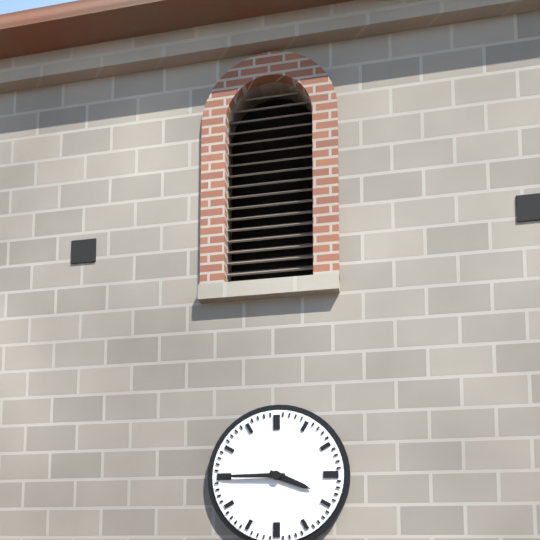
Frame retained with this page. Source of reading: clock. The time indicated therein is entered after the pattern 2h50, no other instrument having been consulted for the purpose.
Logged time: 3h45
